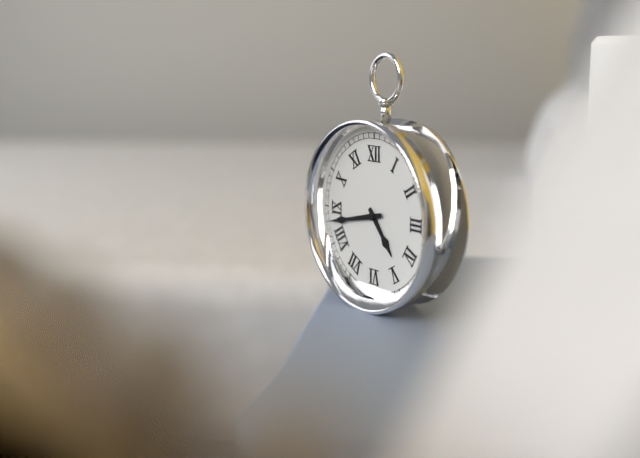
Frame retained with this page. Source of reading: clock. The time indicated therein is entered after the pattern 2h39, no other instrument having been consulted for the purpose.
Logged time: 4h43
